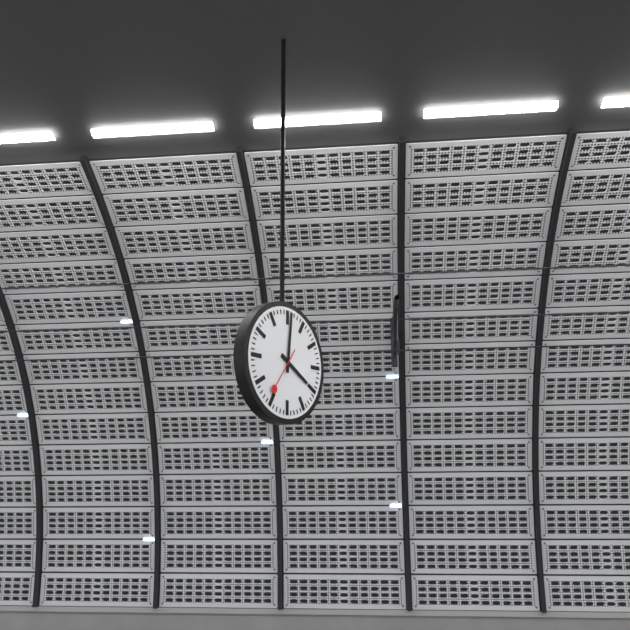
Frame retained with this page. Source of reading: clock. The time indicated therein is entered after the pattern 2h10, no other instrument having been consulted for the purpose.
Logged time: 4h01
